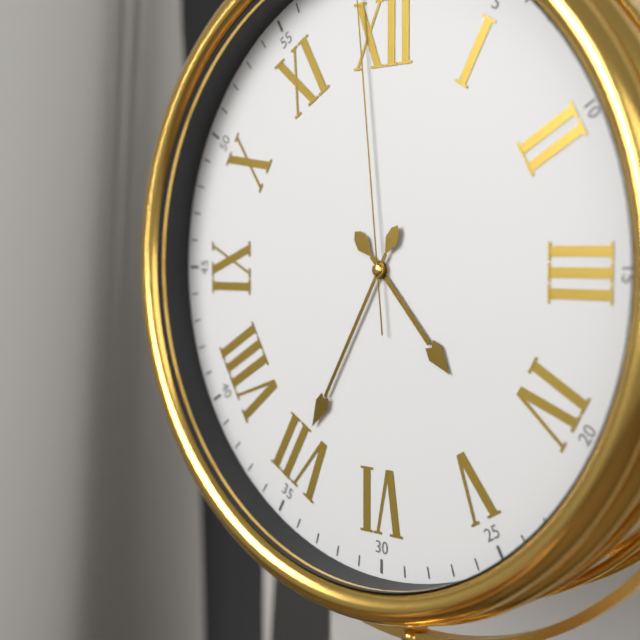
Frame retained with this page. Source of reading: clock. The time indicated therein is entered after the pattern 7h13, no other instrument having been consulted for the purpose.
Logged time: 4h35
